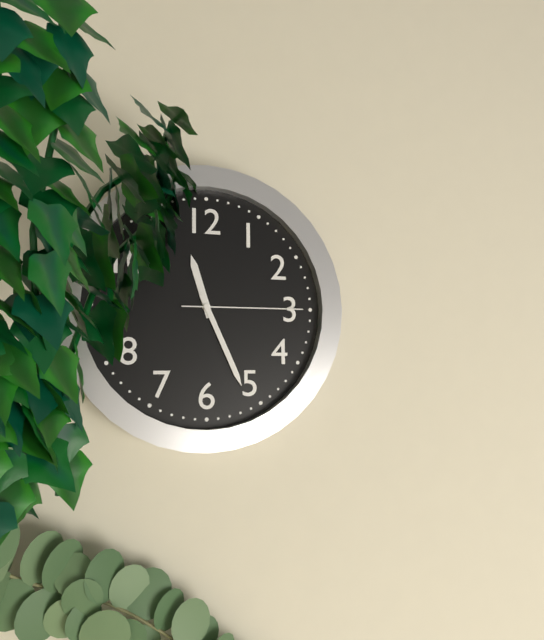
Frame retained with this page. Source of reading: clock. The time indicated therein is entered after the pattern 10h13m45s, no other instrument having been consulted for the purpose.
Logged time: 11h26m15s
